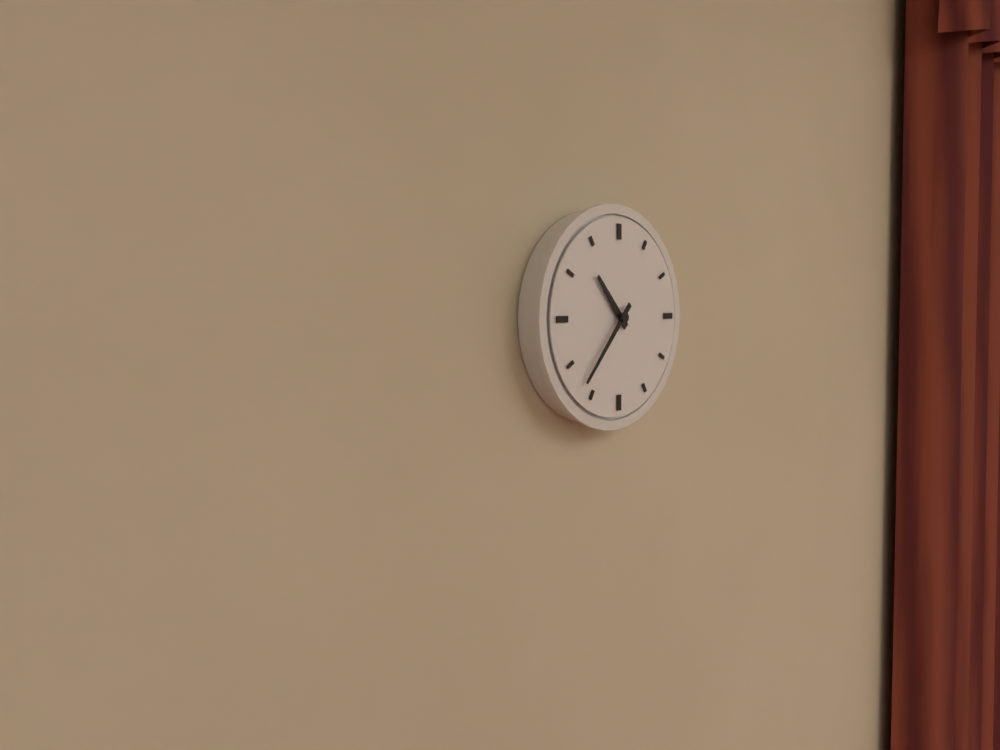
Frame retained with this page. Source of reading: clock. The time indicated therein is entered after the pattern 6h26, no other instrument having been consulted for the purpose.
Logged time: 10h37
